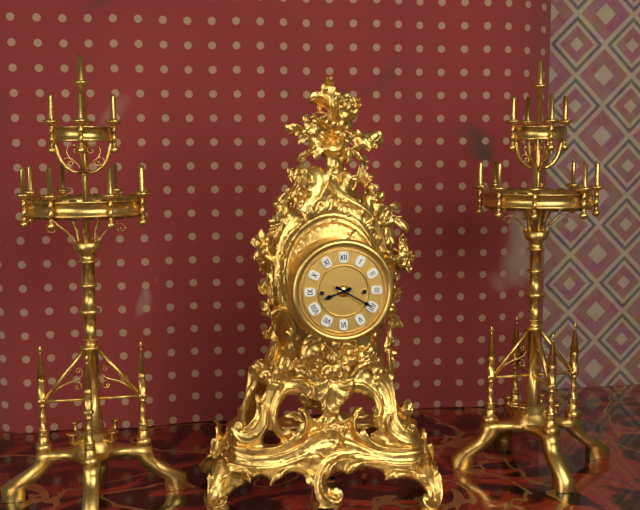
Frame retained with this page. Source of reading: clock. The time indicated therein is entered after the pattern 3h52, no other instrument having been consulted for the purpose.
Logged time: 8h20
